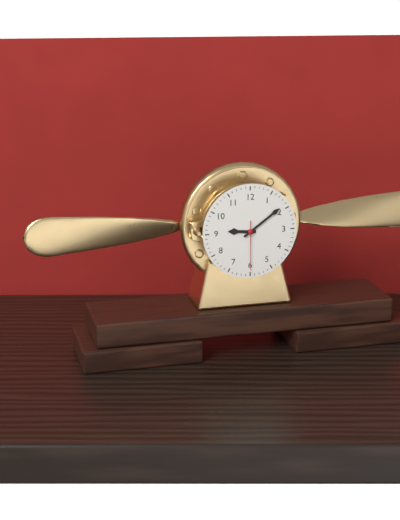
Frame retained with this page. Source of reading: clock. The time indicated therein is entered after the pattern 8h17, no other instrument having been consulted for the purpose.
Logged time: 9h09
